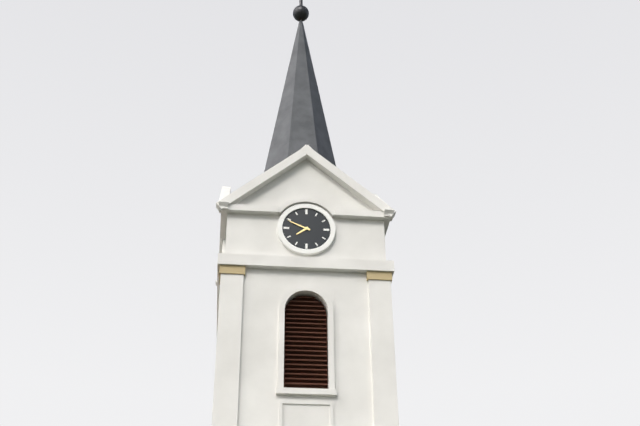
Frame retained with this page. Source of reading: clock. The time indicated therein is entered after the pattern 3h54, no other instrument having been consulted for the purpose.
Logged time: 7h49
